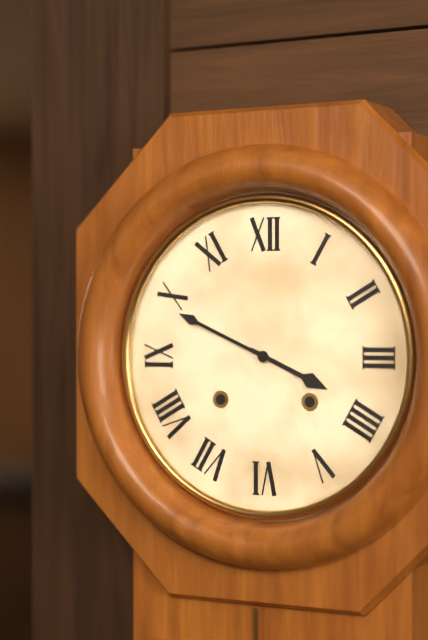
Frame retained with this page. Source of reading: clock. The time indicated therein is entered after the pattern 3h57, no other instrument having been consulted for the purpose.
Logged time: 3h49
